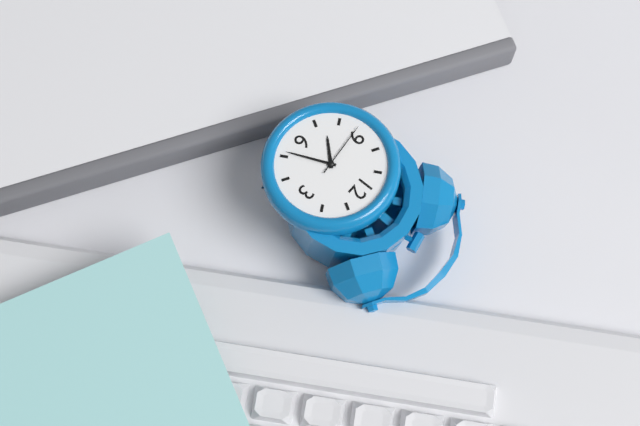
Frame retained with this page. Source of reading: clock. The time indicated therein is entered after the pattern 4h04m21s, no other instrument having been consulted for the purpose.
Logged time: 7h26m44s
